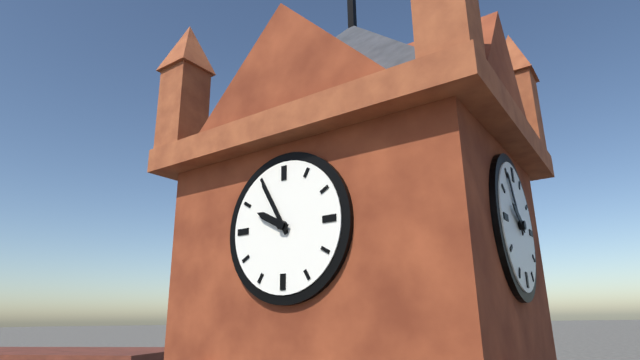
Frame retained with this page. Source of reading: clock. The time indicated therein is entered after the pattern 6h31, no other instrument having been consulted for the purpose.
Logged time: 9h55
